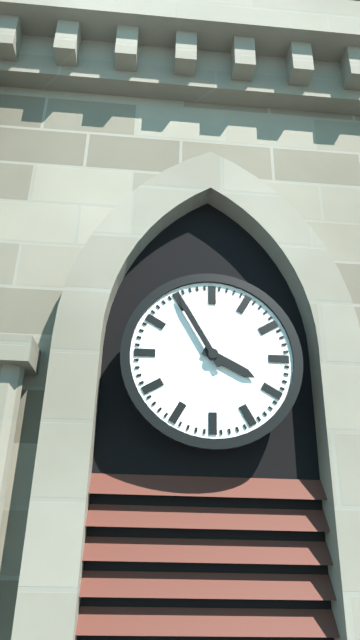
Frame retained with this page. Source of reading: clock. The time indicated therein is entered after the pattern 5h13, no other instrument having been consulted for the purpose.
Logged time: 3h55
